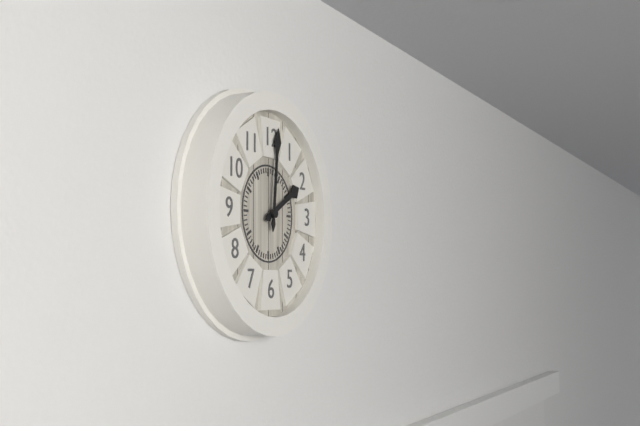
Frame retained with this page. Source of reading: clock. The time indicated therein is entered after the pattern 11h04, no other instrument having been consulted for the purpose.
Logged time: 2h01
